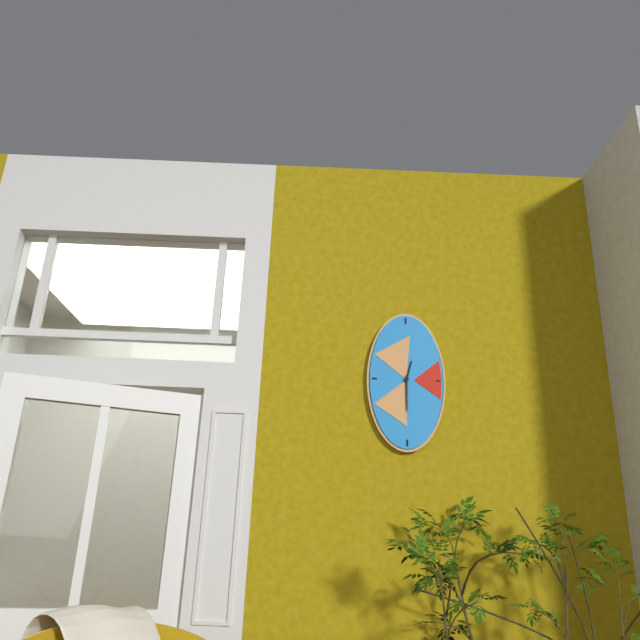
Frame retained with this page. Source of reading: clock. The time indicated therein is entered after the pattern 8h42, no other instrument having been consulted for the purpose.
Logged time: 12h30
